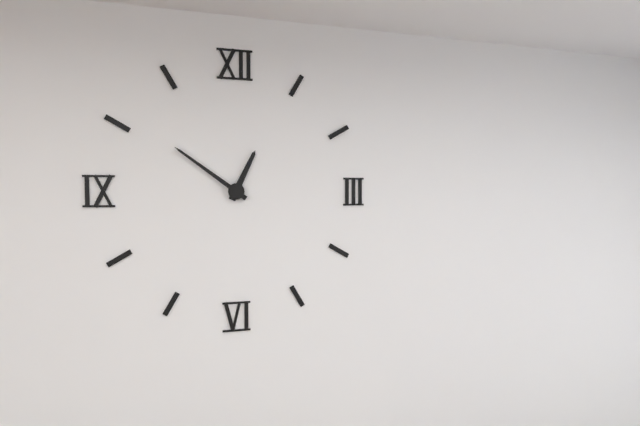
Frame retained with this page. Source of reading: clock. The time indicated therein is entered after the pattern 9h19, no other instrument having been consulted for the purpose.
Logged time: 12h51
